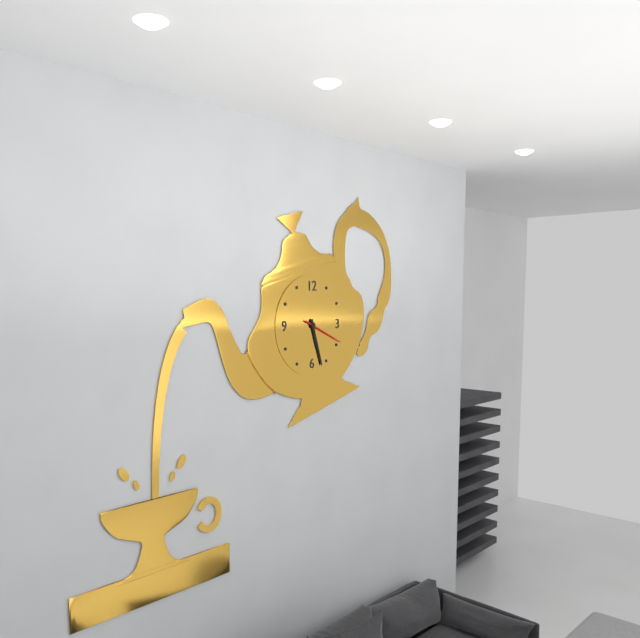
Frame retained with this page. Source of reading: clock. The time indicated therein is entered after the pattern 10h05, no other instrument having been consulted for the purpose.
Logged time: 5h27
